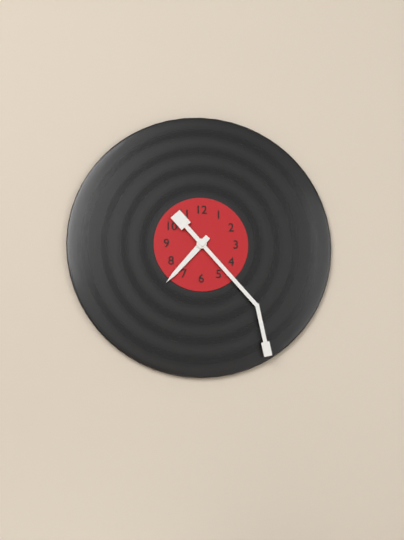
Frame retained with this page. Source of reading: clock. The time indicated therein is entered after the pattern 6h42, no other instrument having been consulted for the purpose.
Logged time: 7h23
